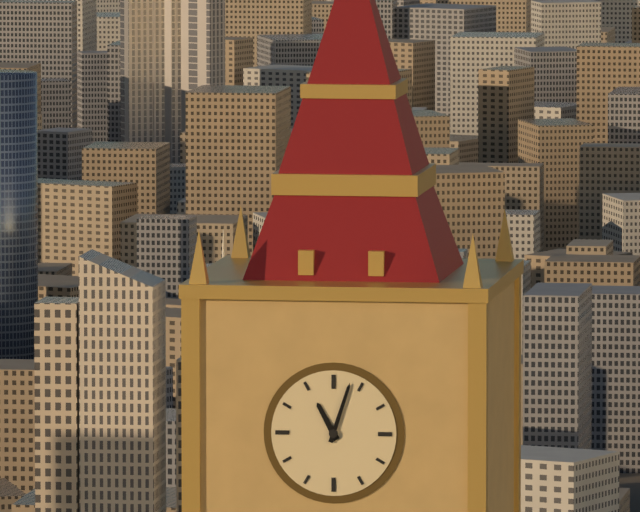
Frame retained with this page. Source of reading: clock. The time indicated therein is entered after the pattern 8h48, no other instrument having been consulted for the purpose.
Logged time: 11h03
